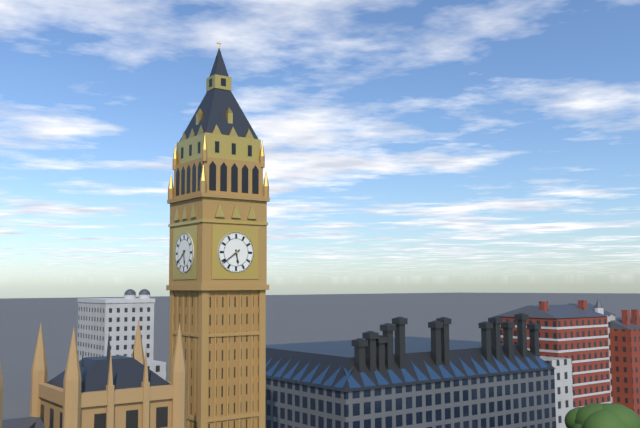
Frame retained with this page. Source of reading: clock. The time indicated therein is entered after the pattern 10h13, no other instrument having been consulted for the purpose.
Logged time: 5h39
